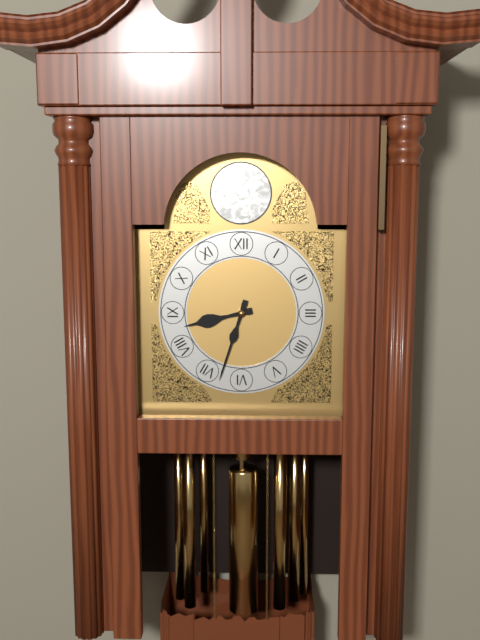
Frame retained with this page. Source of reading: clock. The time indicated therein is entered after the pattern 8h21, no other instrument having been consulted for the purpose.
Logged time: 8h33
